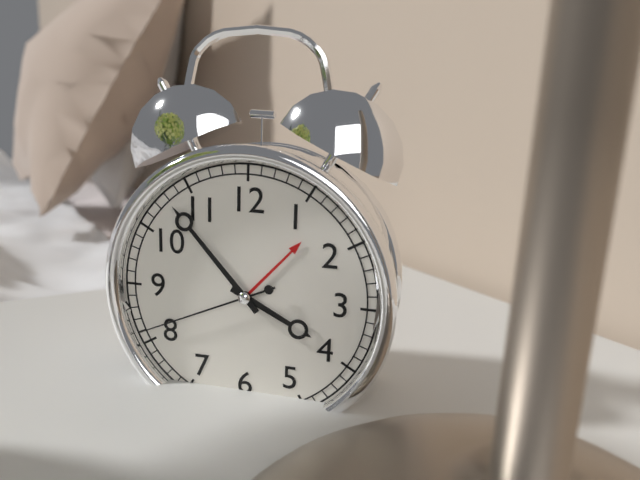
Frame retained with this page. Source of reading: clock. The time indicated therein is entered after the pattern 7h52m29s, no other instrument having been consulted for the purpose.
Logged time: 3h53m41s
